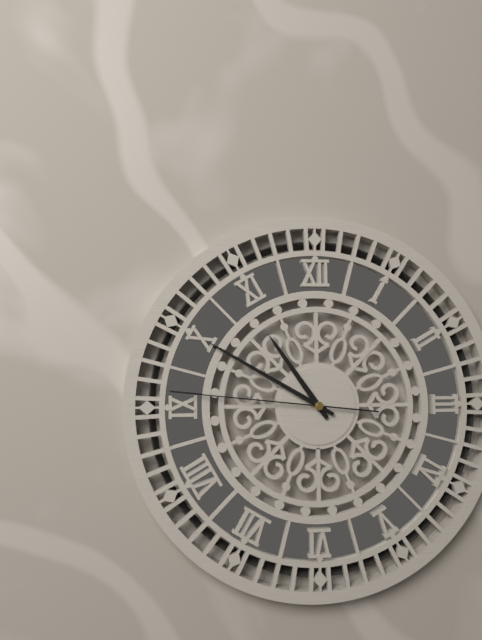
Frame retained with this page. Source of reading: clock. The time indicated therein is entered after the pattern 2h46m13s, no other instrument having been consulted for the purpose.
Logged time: 10h50m46s
